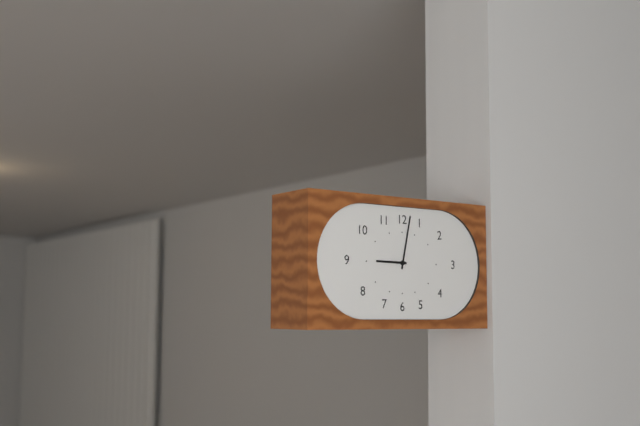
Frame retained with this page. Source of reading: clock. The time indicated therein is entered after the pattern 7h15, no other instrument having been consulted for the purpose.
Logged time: 9h02
